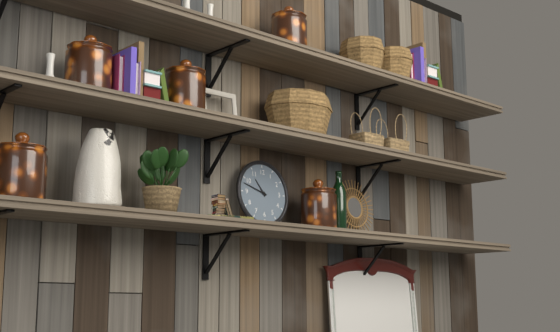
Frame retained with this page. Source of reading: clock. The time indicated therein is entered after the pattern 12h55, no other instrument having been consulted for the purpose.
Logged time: 10h48
